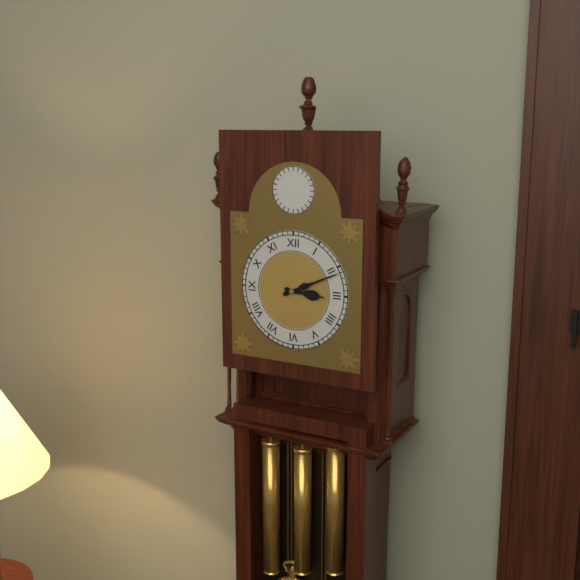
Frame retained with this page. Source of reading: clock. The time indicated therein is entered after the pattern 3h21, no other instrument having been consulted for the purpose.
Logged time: 3h11
